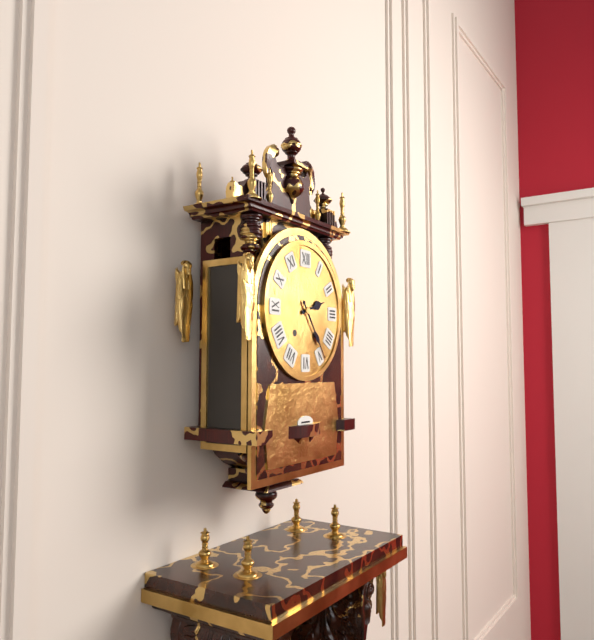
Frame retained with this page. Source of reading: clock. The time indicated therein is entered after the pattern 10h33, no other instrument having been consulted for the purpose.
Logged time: 2h24
